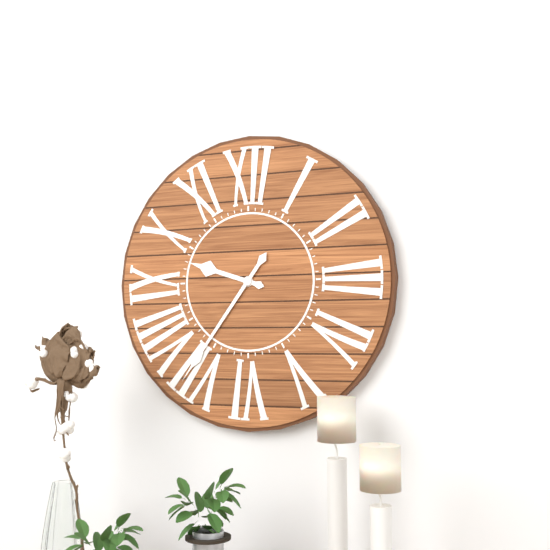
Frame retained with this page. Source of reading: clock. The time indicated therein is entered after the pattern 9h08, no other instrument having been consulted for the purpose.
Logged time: 9h36
